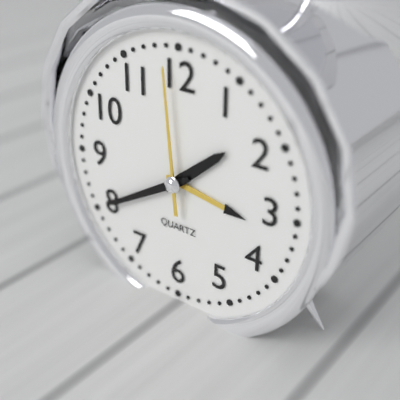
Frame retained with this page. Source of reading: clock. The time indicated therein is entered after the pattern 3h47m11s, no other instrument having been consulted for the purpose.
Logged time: 1h40m59s
